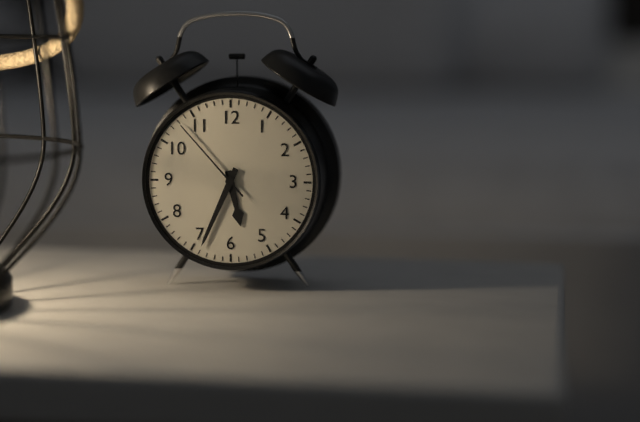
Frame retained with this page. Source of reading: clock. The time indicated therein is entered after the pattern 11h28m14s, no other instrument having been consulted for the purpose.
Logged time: 5h34m53s
